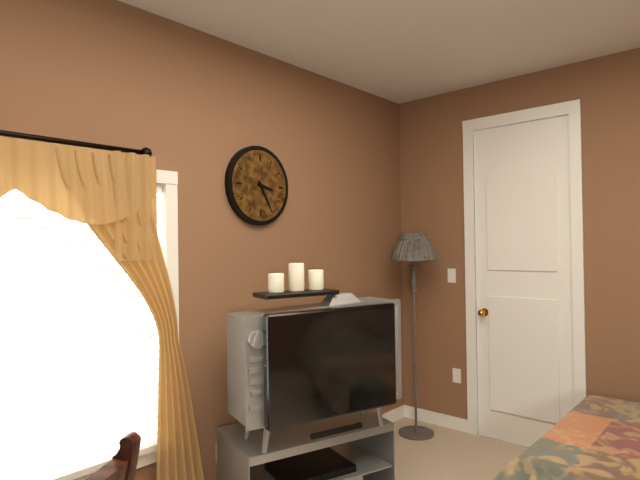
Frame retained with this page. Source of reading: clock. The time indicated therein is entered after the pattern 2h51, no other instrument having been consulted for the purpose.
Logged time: 3h25
